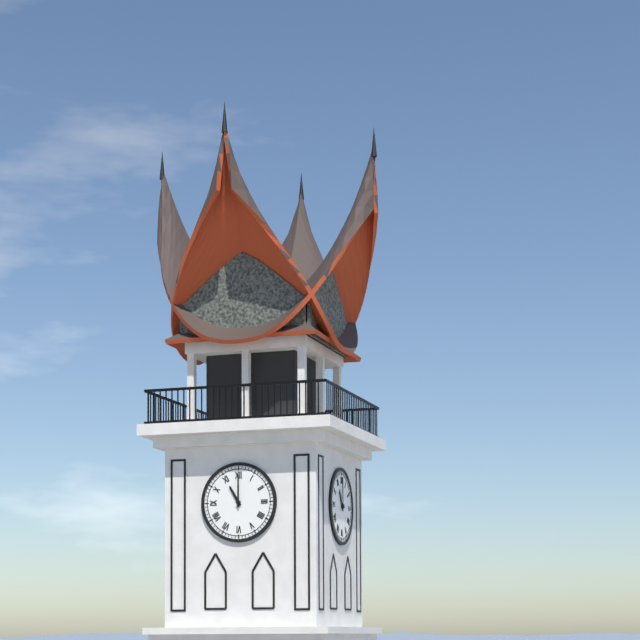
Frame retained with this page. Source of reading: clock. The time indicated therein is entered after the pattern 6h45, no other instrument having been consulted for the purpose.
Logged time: 11h00
